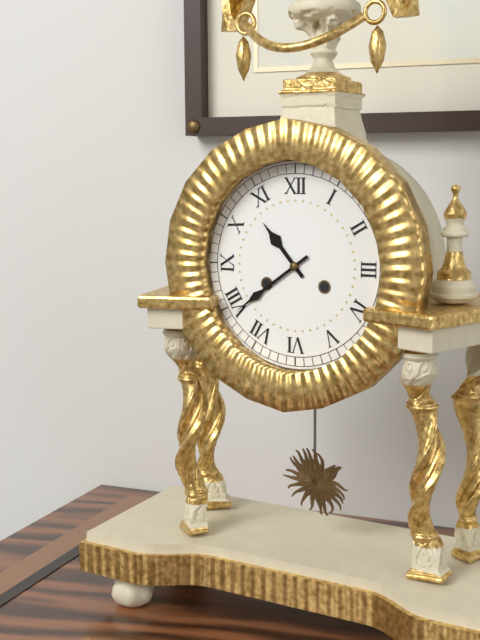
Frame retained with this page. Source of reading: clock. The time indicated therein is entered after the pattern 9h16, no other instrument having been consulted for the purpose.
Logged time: 10h39
